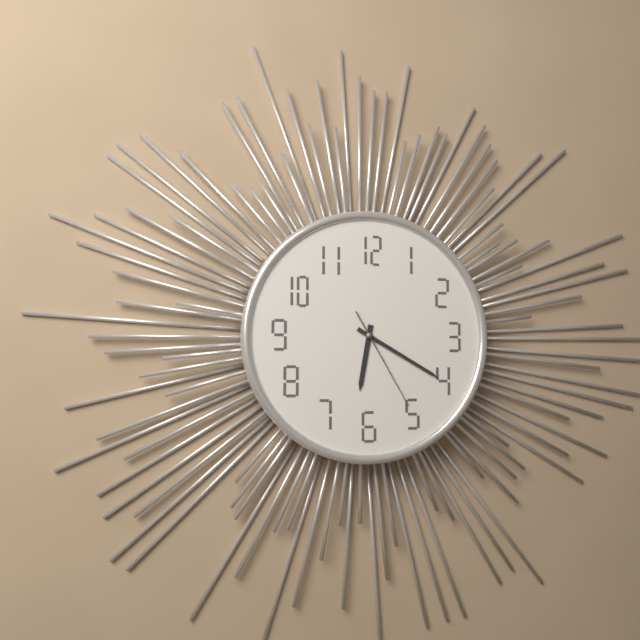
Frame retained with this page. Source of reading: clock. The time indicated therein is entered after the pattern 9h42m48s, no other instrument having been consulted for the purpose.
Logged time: 6h20m25s
